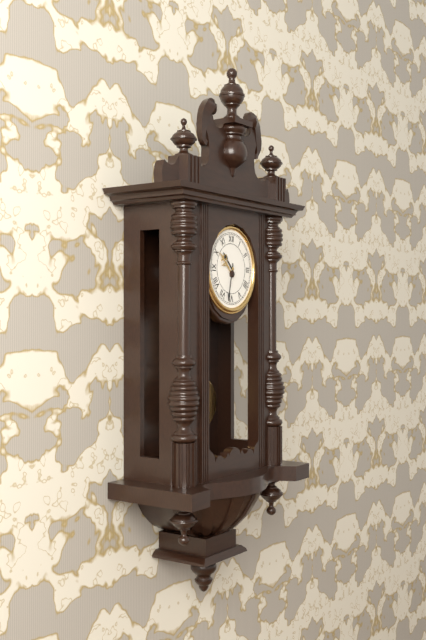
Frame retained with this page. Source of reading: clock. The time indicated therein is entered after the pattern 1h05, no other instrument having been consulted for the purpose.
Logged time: 10h32
